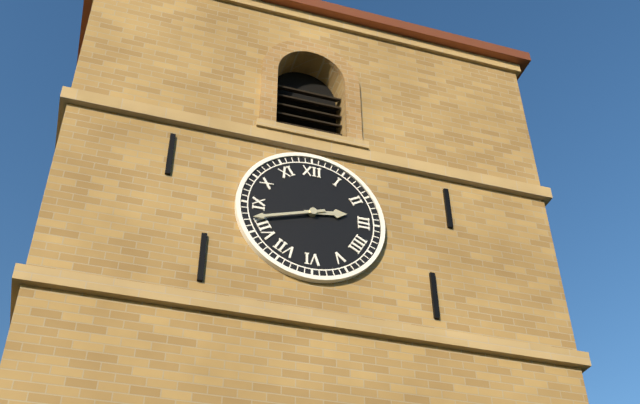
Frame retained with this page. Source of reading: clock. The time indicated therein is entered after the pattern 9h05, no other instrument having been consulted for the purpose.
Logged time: 2h42
